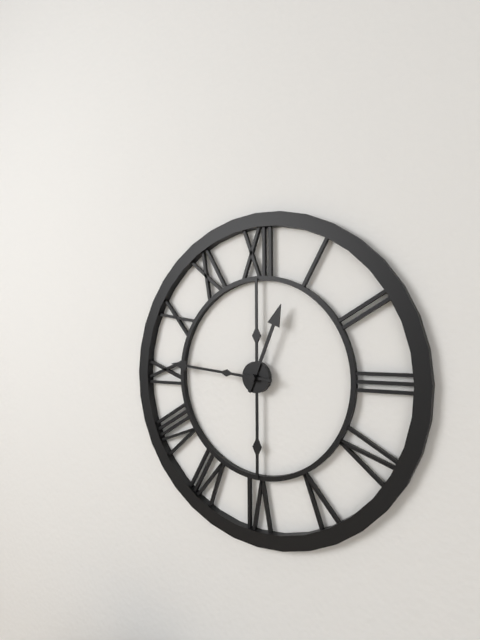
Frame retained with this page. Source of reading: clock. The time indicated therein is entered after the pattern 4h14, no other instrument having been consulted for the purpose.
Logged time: 12h46
